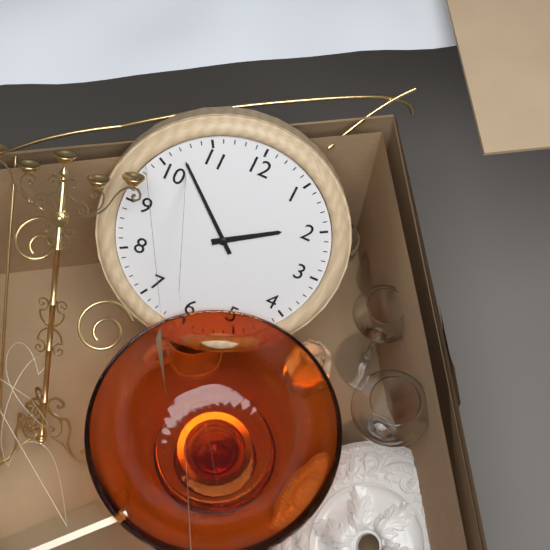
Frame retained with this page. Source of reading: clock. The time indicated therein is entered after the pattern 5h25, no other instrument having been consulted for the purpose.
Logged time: 1h52
